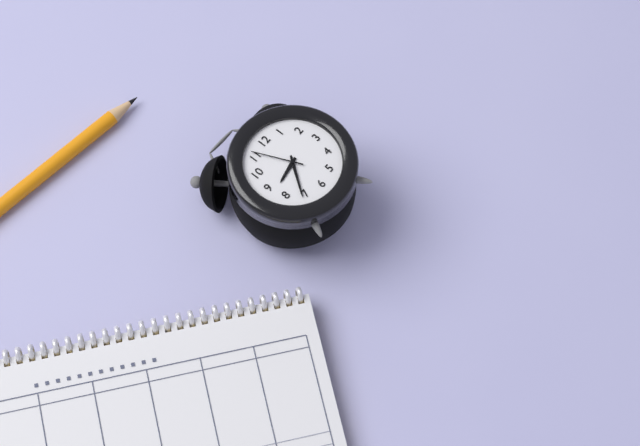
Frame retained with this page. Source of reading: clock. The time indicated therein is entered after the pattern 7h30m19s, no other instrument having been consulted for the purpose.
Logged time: 8h36m56s
